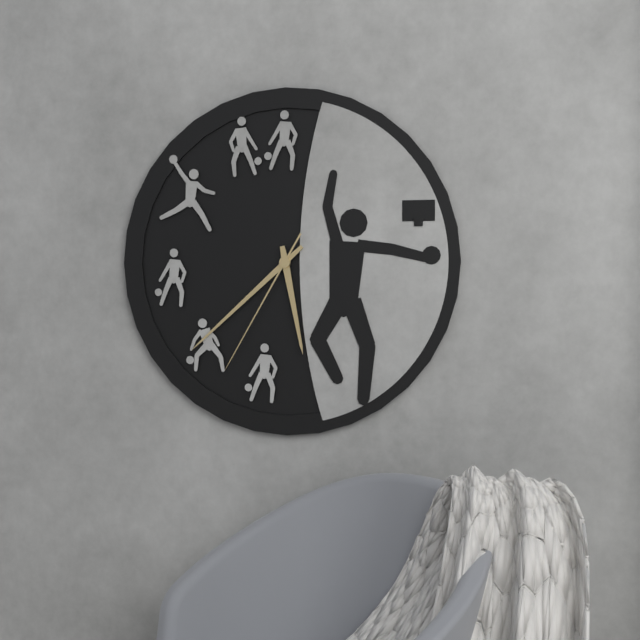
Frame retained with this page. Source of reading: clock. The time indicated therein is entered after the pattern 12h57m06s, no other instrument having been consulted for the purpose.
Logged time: 5h38m35s
